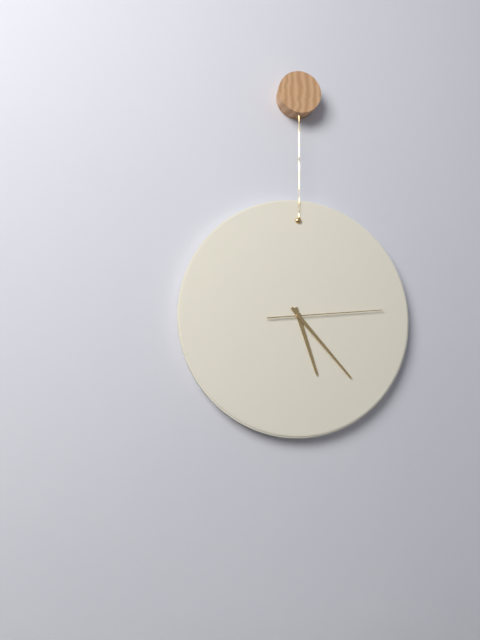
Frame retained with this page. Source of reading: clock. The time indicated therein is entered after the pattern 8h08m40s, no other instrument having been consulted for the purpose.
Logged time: 5h23m14s
